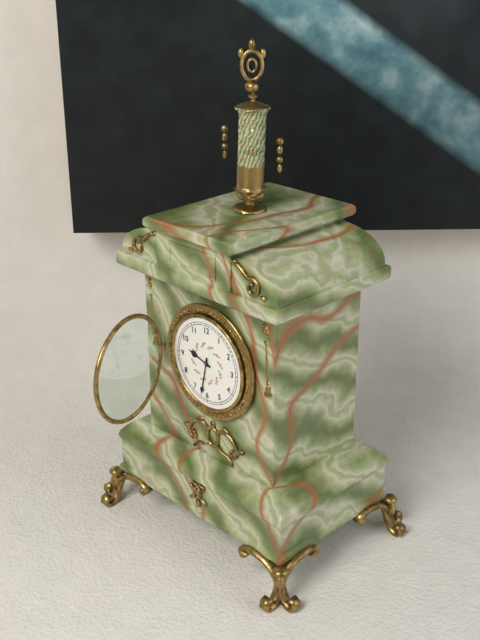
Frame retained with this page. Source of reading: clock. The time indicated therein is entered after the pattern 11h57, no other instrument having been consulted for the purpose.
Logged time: 9h32
